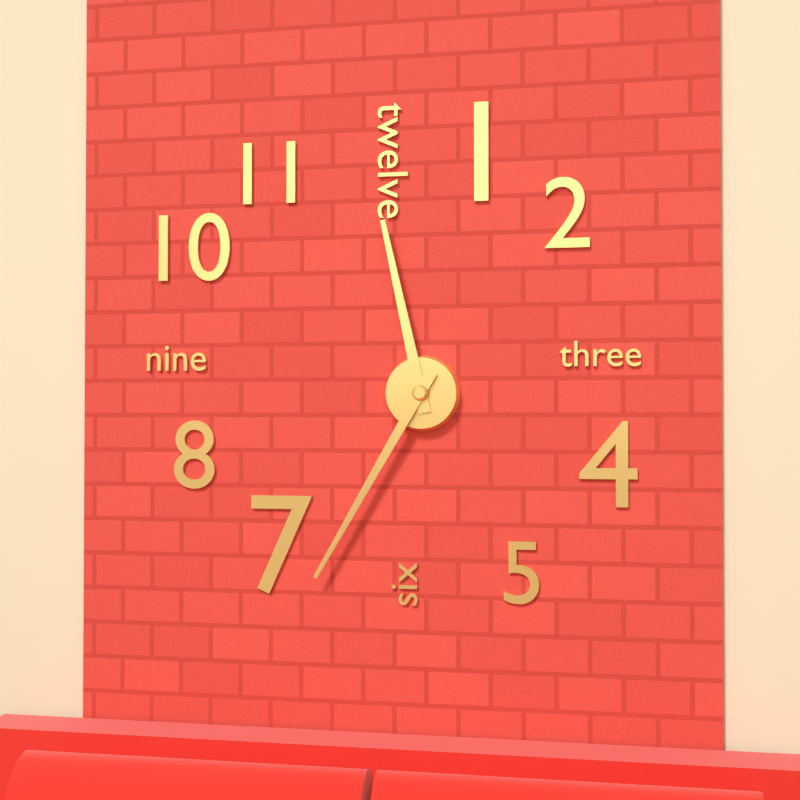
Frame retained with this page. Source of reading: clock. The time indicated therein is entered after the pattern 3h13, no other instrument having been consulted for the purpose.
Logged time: 11h35
